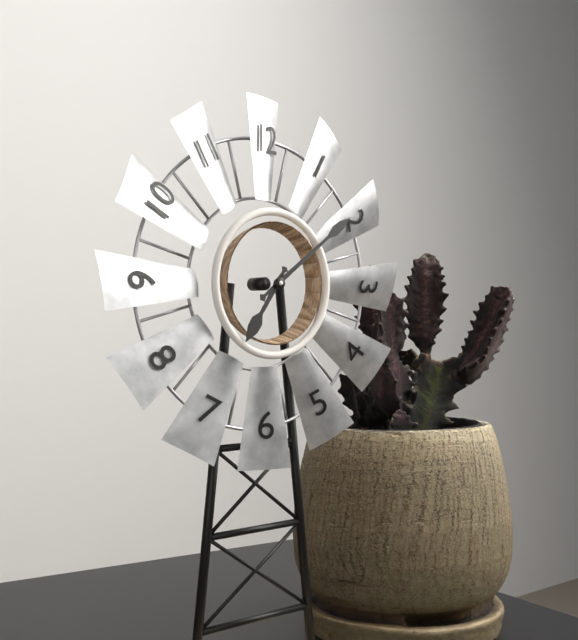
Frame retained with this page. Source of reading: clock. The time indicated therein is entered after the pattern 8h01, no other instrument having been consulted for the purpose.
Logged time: 7h09
